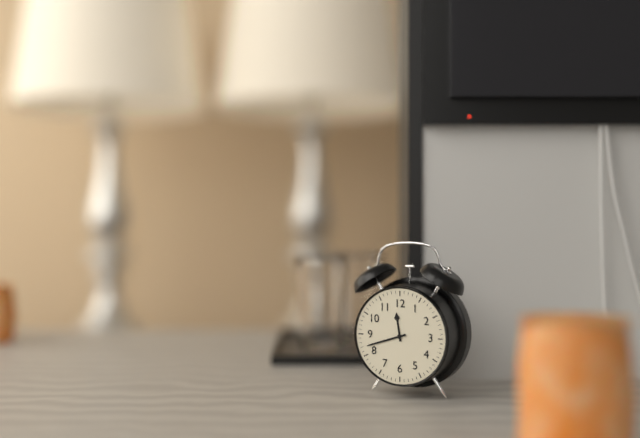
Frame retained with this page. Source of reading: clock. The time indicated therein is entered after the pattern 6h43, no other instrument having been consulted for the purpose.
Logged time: 11h42
